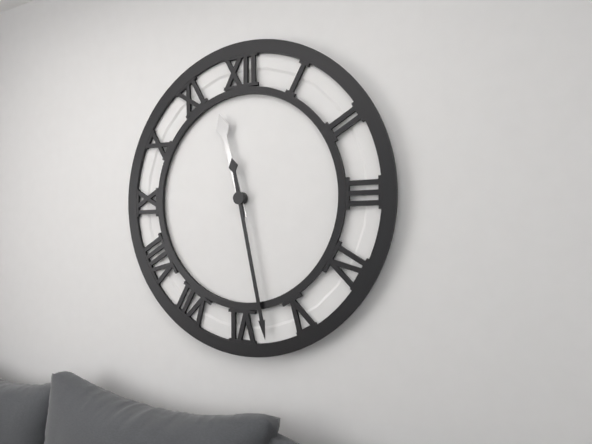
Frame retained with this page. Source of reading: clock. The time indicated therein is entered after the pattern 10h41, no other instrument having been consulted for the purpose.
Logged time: 11h28
